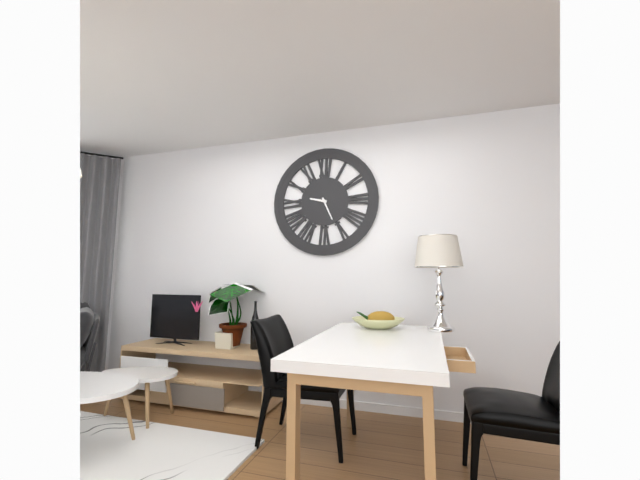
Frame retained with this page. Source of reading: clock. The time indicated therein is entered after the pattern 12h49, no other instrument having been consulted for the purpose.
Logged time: 9h26
